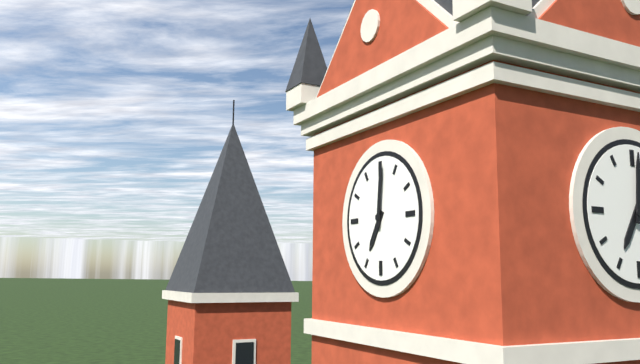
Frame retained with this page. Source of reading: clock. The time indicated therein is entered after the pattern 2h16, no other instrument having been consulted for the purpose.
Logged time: 7h01
